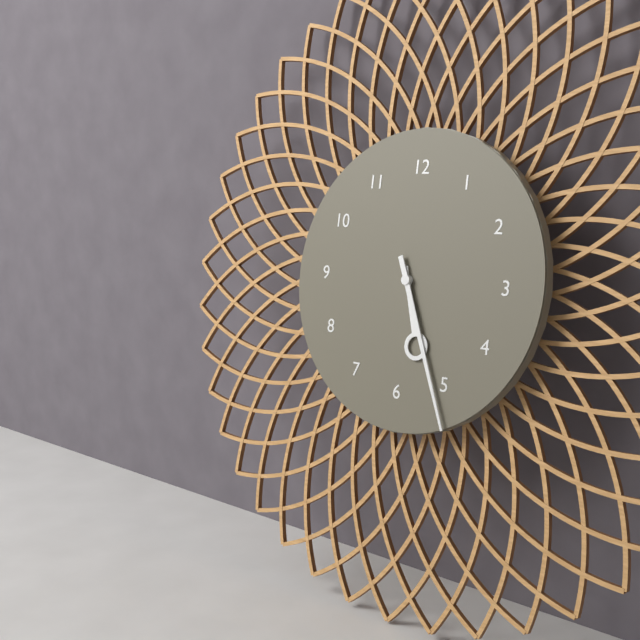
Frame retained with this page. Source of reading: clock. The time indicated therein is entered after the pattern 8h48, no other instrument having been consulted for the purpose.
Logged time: 5h26
